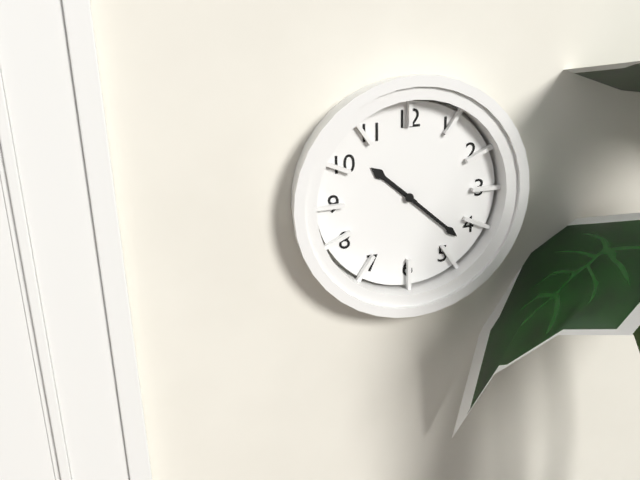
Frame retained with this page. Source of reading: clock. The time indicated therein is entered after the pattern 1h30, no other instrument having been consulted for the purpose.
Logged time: 10h22
